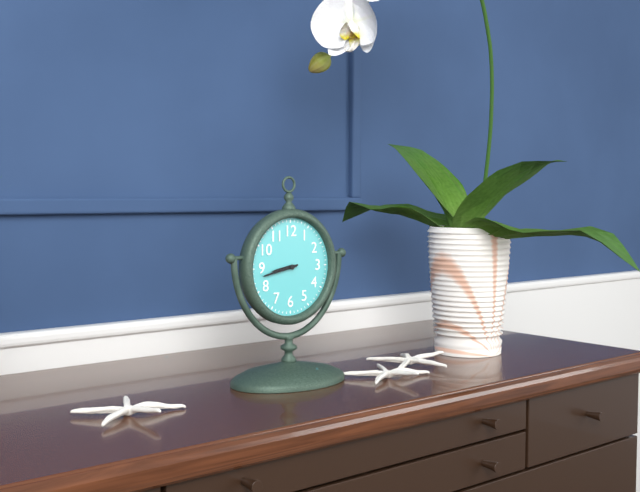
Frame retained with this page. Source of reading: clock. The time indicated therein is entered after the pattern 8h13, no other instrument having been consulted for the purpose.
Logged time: 8h43
